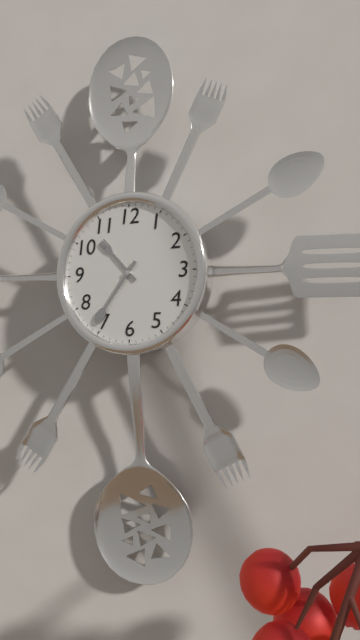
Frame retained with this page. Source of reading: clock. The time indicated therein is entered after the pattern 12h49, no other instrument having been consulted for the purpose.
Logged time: 10h36
